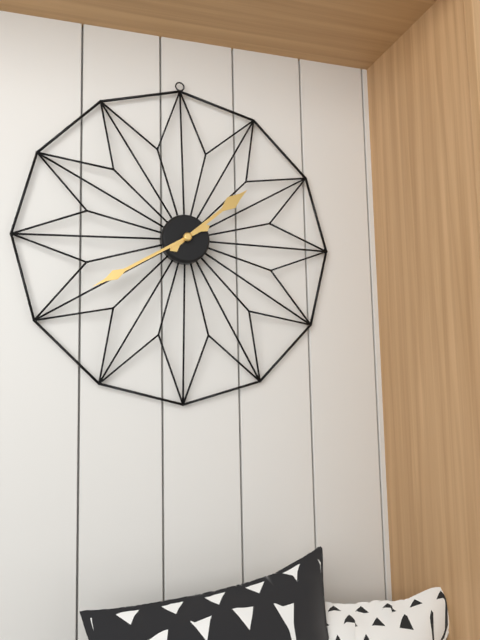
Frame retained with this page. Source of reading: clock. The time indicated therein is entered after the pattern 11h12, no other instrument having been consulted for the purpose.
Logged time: 1h40
